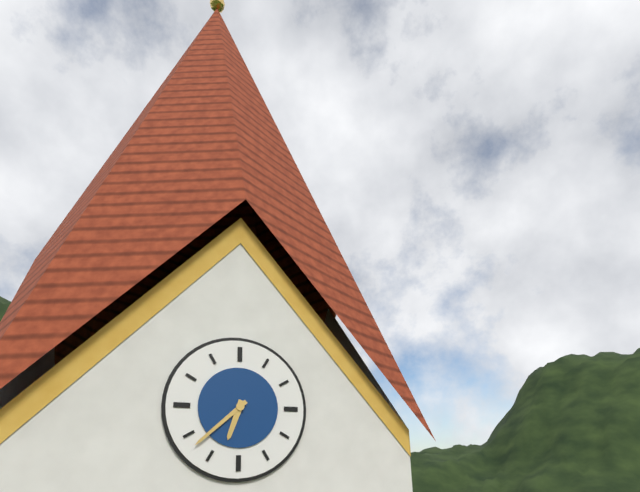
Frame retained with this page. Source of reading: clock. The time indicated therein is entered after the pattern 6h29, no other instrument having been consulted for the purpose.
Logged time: 6h38
